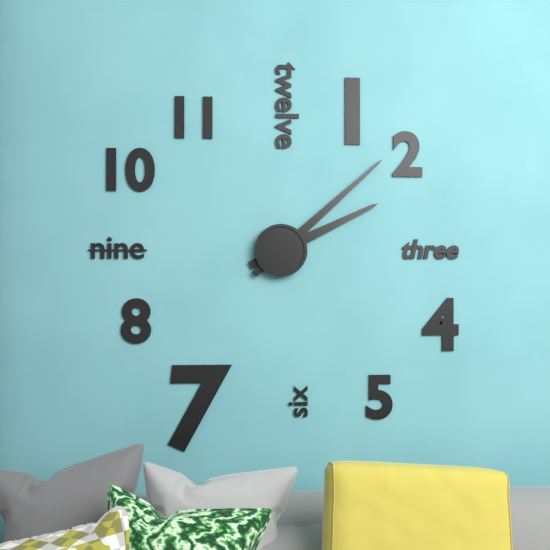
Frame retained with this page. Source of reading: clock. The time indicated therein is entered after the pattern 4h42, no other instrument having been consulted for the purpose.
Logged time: 2h08
